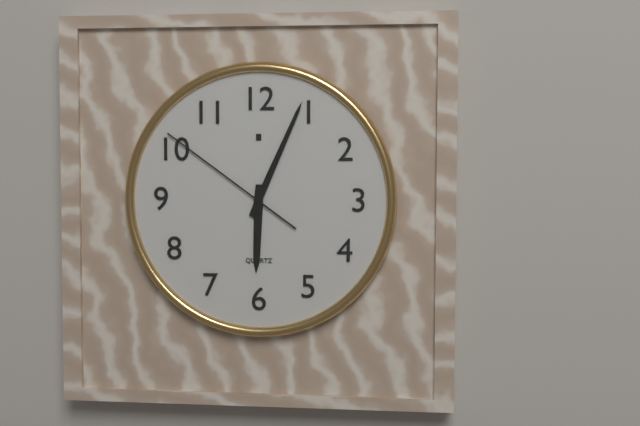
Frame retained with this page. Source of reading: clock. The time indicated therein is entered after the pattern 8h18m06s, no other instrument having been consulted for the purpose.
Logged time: 6h04m51s
